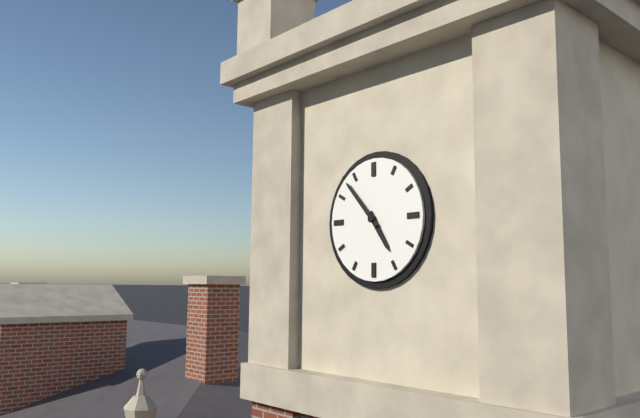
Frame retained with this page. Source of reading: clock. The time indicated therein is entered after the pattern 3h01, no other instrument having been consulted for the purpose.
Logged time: 4h53
